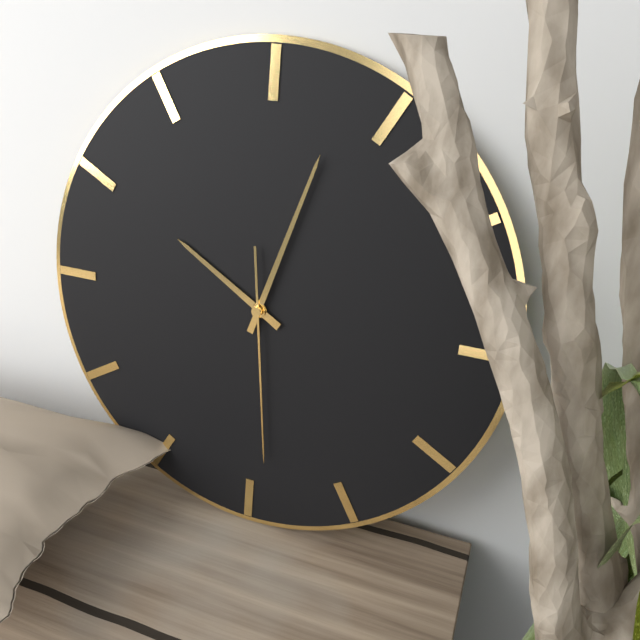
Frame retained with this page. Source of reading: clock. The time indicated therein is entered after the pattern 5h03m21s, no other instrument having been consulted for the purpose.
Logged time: 10h03m29s
